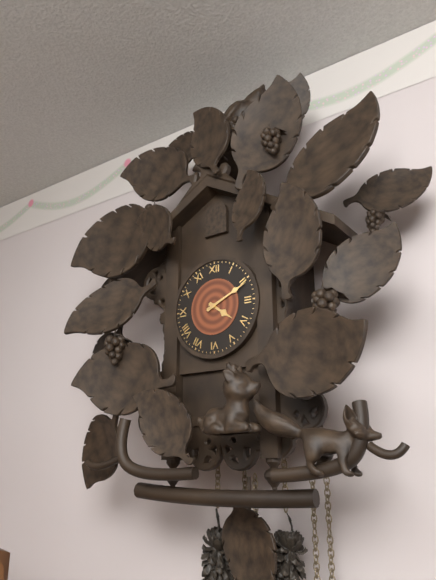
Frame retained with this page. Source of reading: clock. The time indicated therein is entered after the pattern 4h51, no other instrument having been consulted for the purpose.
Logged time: 4h11
